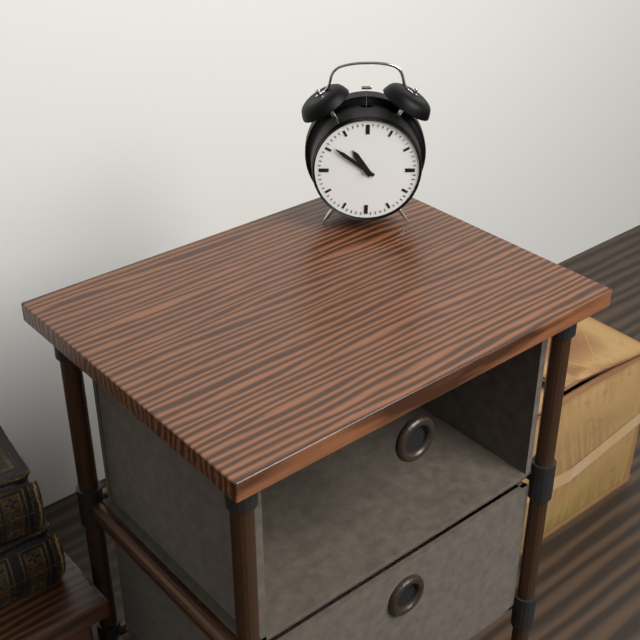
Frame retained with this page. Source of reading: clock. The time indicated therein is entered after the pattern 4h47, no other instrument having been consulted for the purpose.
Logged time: 10h51
